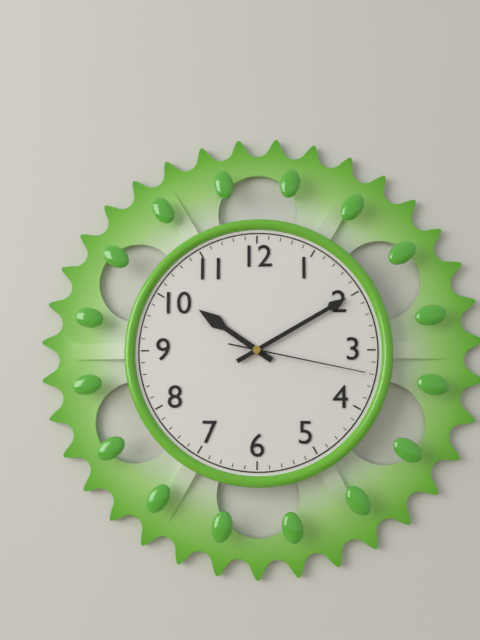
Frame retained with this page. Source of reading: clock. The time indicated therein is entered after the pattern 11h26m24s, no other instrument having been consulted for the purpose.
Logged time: 10h10m17s
